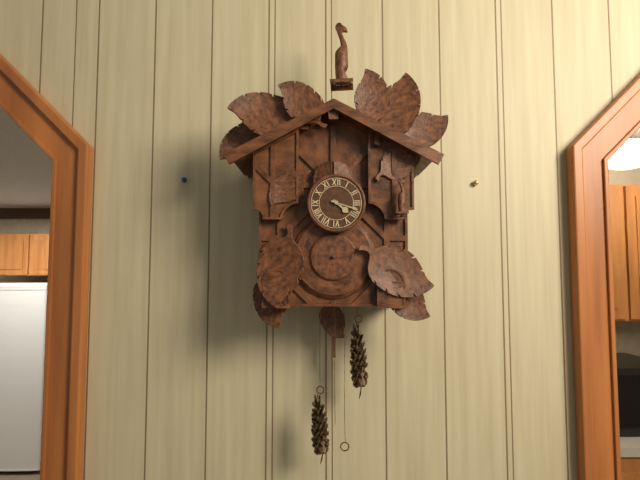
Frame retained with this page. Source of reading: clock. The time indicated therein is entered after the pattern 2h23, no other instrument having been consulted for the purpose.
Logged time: 4h18
